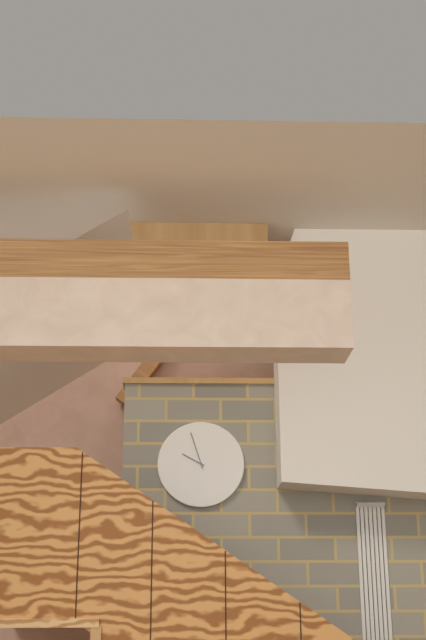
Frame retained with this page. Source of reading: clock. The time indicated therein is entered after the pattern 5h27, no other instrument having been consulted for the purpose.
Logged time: 9h57
